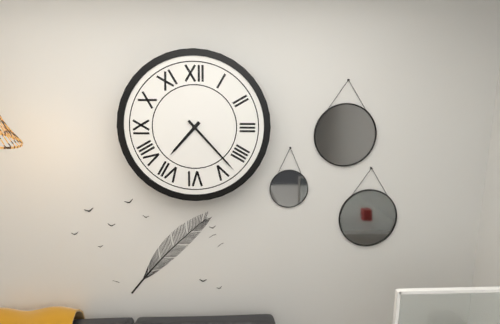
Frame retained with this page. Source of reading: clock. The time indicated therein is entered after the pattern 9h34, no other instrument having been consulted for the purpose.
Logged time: 7h23
